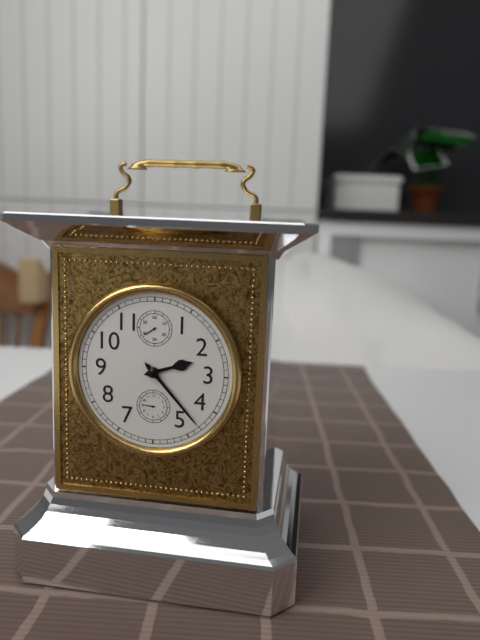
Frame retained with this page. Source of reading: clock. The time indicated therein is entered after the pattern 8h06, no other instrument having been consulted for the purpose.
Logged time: 2h23
